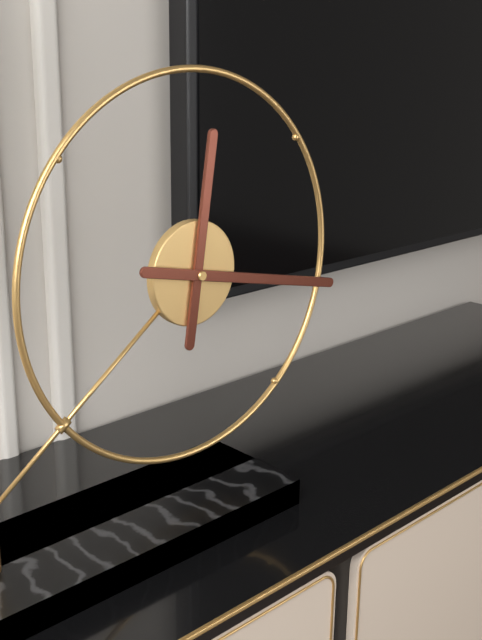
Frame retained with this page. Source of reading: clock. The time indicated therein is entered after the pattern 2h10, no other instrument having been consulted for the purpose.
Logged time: 12h17
